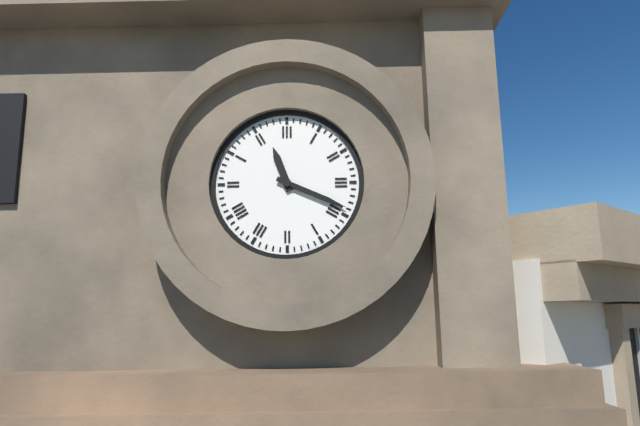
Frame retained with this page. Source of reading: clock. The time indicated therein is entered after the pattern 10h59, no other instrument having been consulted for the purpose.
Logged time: 11h19
